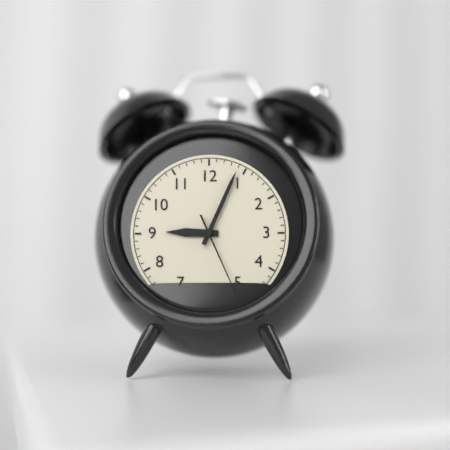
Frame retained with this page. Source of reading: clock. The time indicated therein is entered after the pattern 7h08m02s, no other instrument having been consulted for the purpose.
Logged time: 9h04m26s
